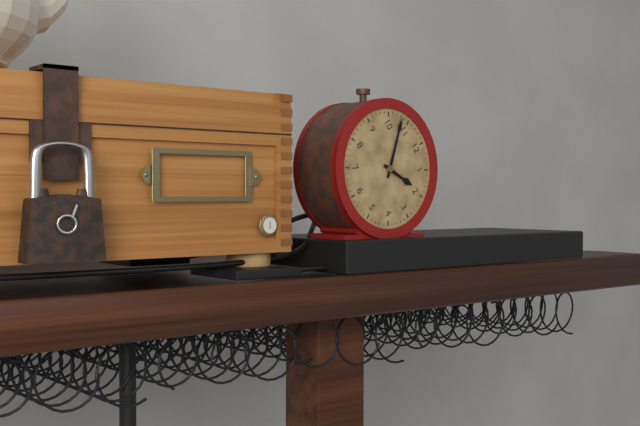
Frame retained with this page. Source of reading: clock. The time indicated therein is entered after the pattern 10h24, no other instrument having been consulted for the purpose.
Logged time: 1h53
